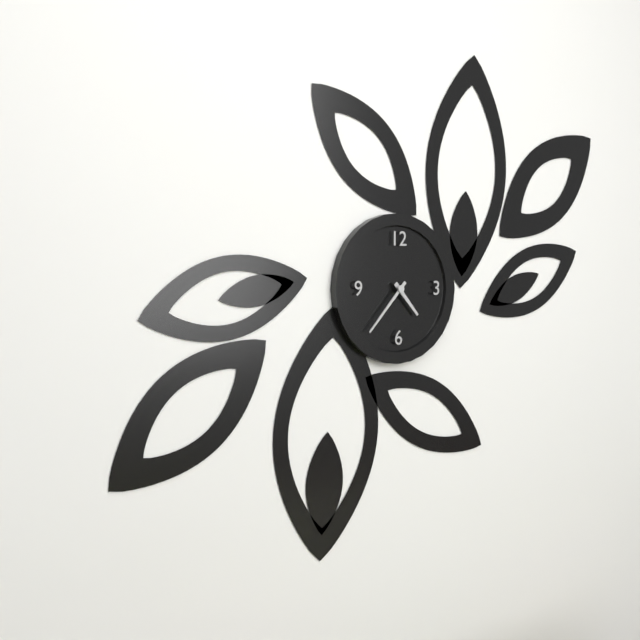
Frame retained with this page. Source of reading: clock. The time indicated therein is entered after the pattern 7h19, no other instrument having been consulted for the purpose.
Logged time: 4h37
